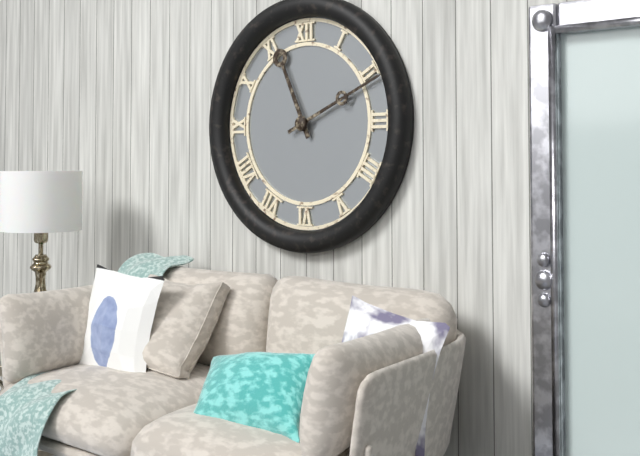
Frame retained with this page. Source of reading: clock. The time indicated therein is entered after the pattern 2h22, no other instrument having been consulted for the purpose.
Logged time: 11h11
